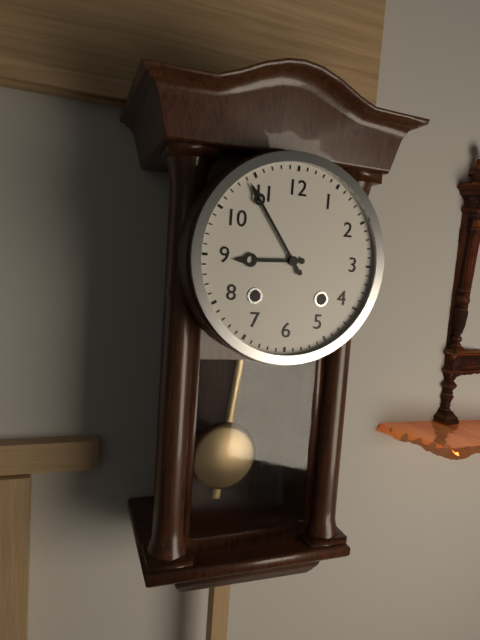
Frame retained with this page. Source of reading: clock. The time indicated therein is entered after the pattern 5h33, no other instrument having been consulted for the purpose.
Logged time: 8h54
